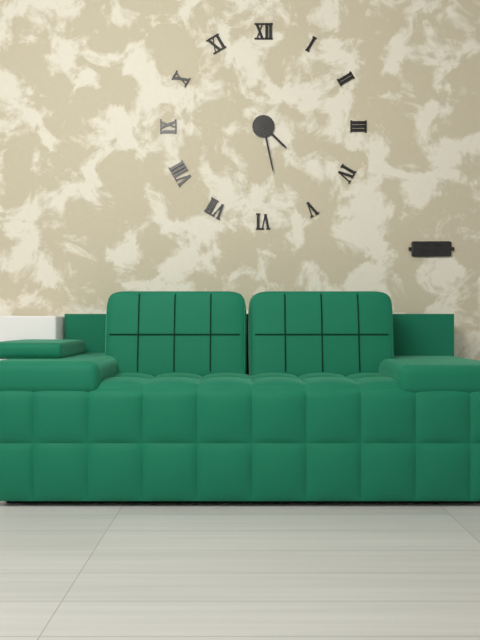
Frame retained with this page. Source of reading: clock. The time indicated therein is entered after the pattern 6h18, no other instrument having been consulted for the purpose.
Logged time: 4h28
